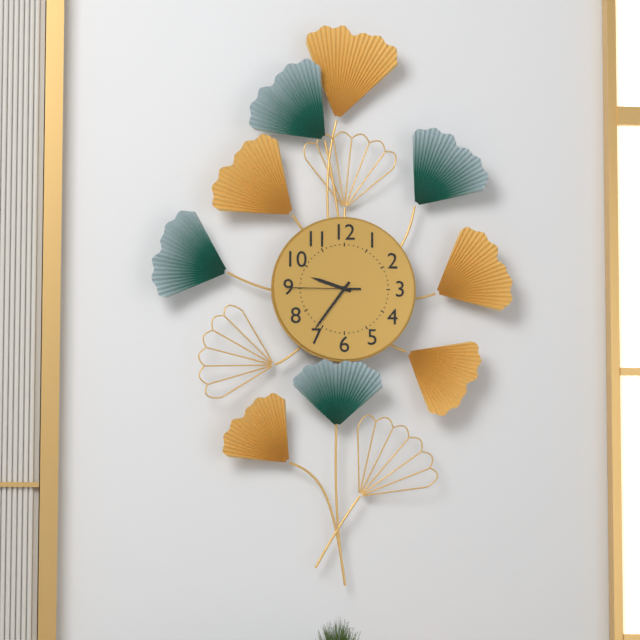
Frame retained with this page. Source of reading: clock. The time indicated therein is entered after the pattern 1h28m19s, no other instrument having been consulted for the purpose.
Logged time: 9h36m45s
